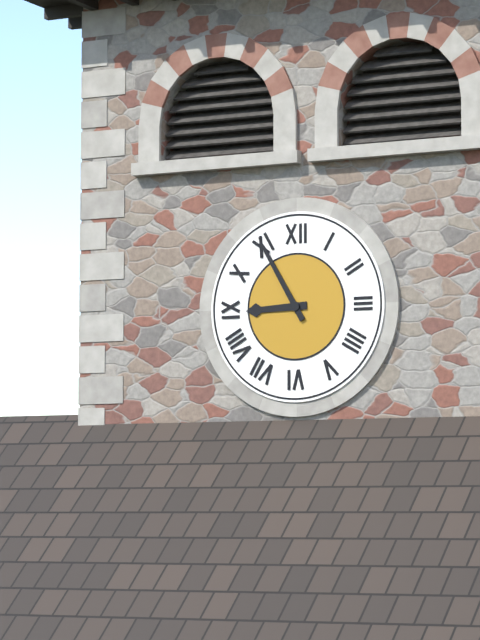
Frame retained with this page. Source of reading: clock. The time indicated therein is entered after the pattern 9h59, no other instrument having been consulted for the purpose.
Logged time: 8h55
